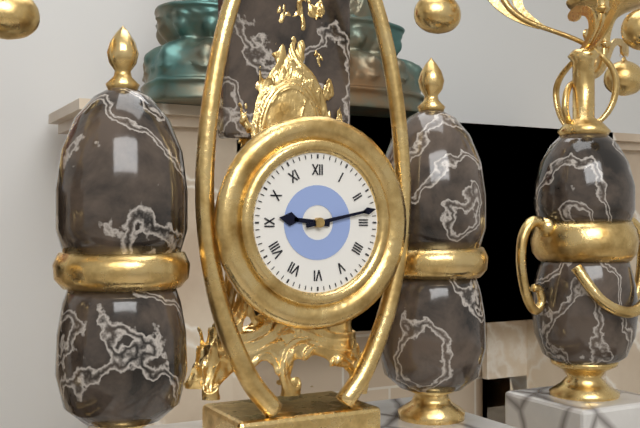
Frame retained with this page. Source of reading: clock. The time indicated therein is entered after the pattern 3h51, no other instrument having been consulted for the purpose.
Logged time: 9h13
